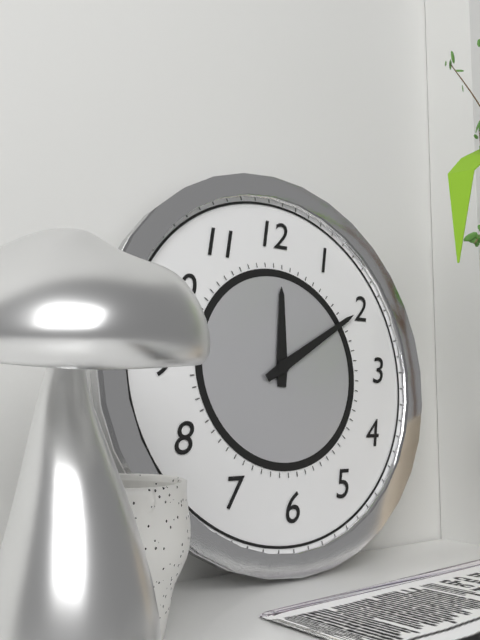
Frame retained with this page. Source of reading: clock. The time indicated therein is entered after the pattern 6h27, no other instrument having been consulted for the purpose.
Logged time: 12h10
